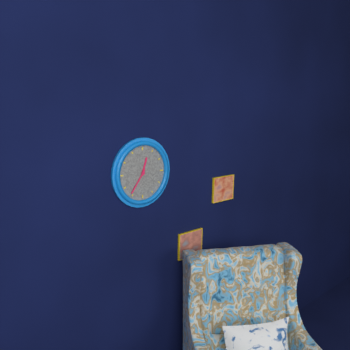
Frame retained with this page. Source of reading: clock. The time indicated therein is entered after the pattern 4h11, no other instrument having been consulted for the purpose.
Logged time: 12h36
